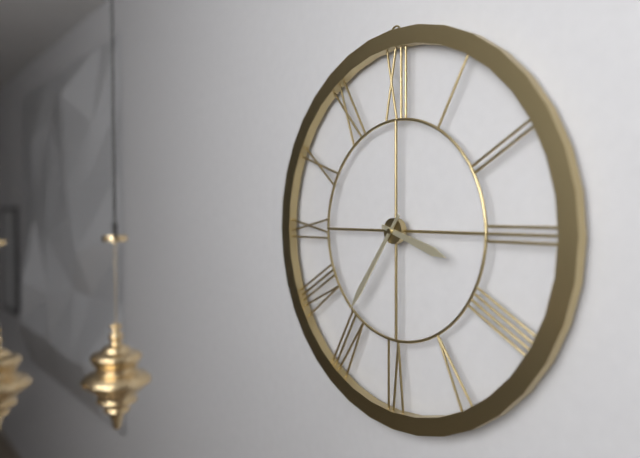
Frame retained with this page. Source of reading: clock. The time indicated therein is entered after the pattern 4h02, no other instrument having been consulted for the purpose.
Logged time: 3h36
